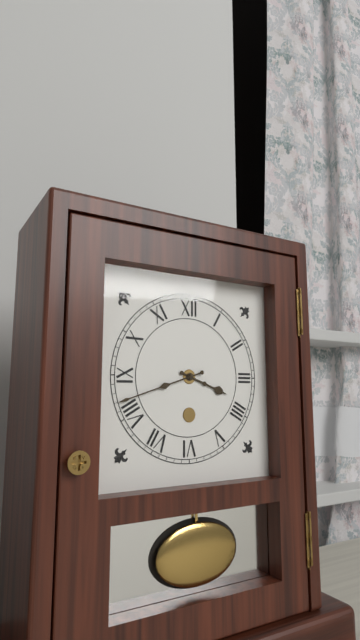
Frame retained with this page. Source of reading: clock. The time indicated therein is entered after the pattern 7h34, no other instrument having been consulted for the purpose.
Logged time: 3h42
